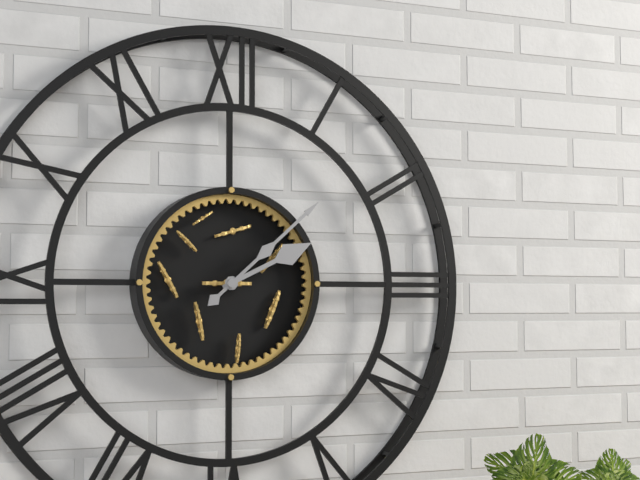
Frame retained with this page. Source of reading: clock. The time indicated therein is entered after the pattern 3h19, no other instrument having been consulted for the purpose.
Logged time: 2h08
